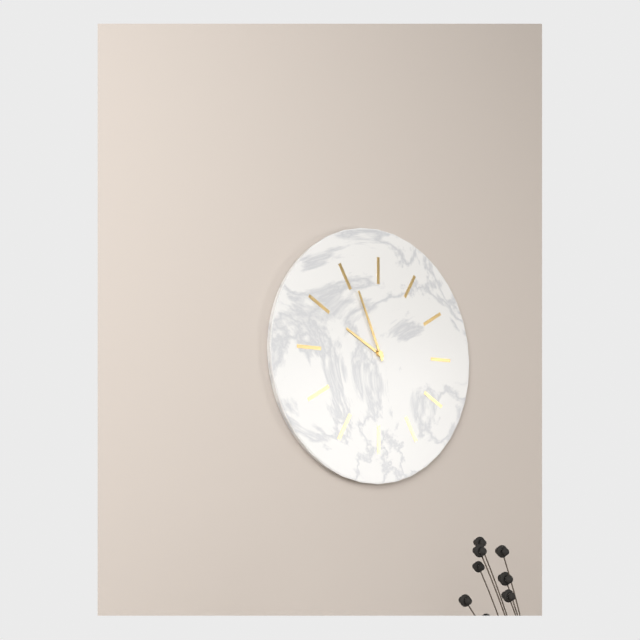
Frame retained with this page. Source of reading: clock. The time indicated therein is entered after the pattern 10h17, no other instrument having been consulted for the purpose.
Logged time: 9h56
